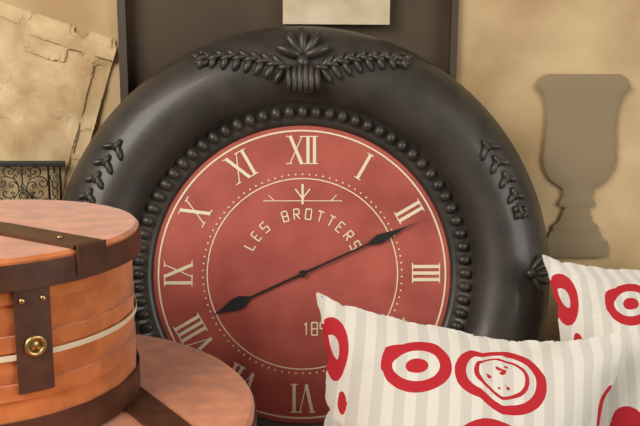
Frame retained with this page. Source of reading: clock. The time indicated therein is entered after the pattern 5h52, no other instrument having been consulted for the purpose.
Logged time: 8h11
